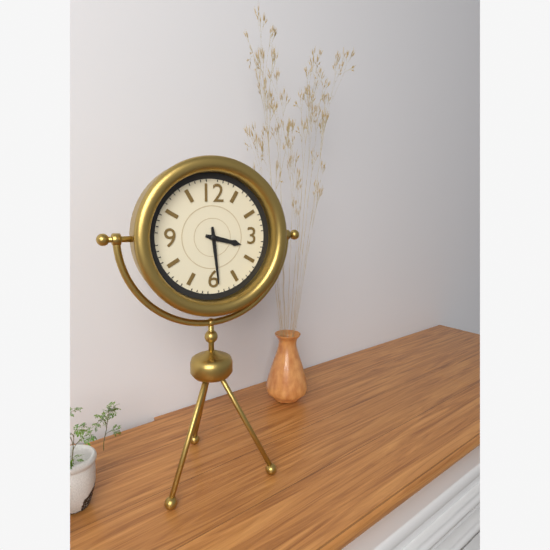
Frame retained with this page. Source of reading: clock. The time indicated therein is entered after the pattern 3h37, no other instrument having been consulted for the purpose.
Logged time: 3h29
